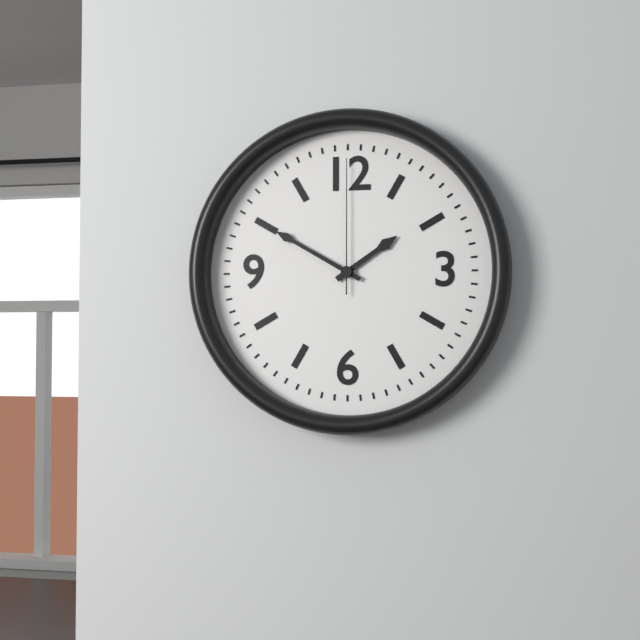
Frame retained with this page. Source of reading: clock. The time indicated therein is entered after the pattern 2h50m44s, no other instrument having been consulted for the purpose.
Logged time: 1h50m00s
